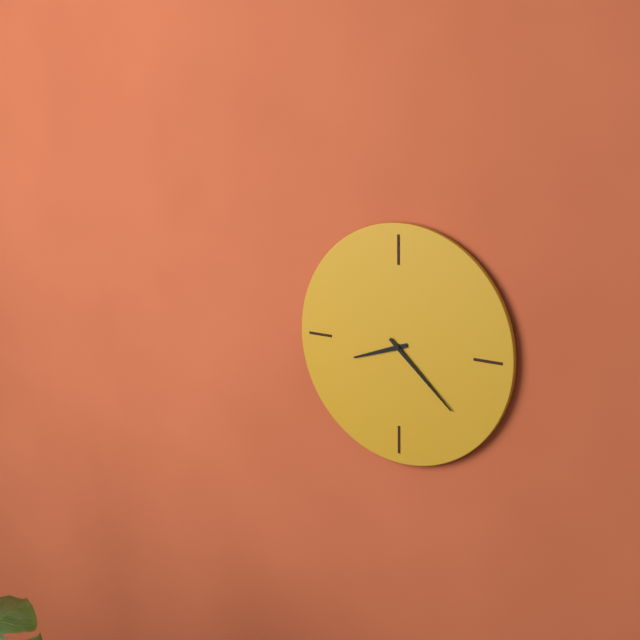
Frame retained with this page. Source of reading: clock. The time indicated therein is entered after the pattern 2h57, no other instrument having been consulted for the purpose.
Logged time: 8h22
